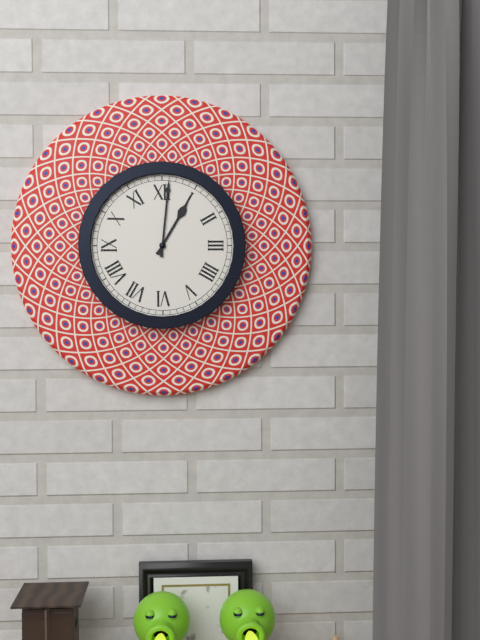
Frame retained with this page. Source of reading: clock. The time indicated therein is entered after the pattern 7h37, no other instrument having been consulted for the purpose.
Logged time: 1h01
